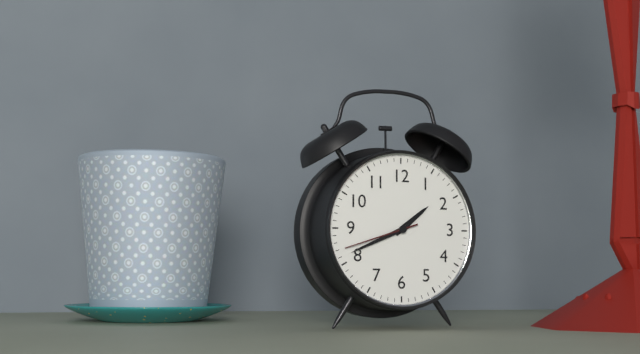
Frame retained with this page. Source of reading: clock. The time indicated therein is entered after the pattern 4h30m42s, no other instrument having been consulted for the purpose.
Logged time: 1h41m42s
